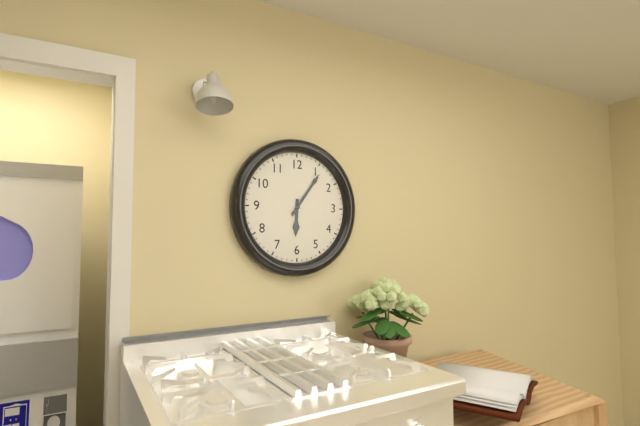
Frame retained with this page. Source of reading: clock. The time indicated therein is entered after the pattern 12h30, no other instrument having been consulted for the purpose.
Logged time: 6h06
